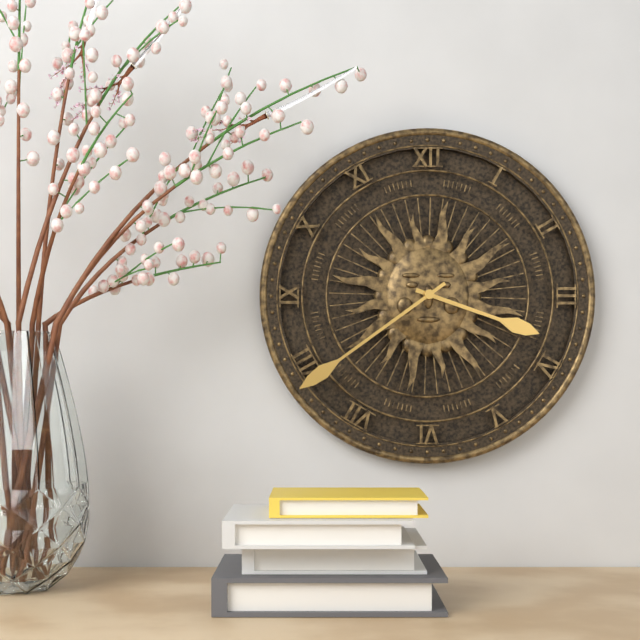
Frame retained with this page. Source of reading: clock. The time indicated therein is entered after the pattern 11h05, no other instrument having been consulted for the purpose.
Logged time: 3h39
